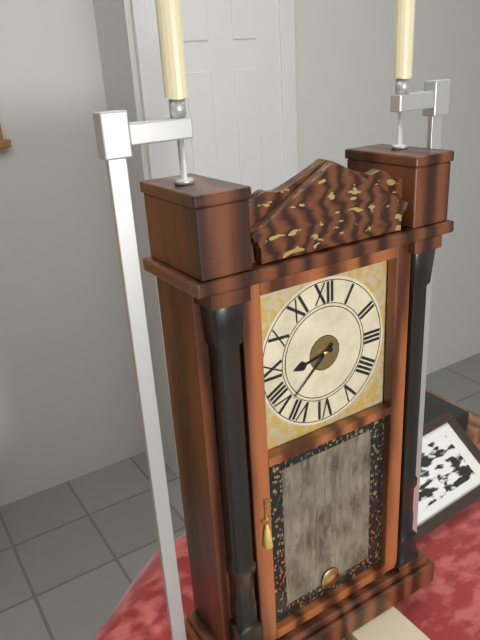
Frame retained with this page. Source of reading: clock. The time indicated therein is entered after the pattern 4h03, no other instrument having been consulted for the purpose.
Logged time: 8h38
